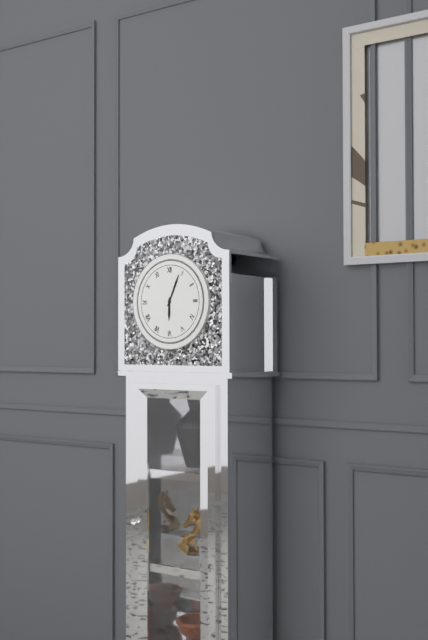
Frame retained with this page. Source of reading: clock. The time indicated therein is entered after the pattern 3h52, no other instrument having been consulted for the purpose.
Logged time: 6h04
